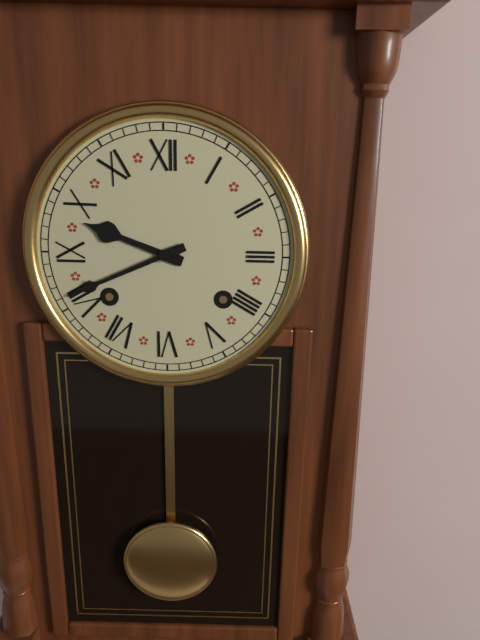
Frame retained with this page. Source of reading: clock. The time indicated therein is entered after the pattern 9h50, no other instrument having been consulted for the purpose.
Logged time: 9h41
